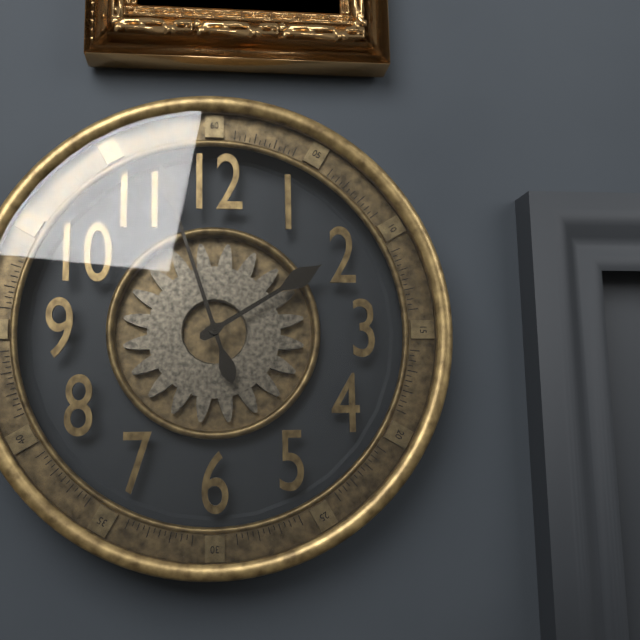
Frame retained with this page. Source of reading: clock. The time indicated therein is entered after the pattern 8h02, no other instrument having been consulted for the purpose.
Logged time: 1h57
